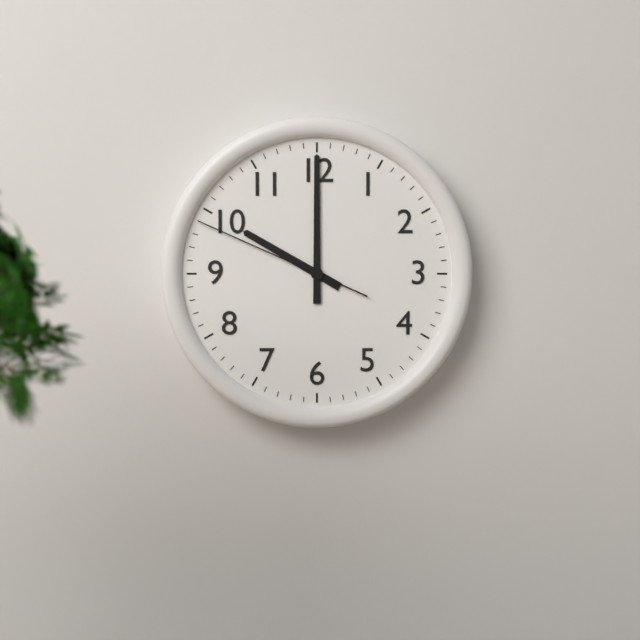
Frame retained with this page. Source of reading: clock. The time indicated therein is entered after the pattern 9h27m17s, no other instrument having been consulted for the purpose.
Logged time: 10h00m49s
